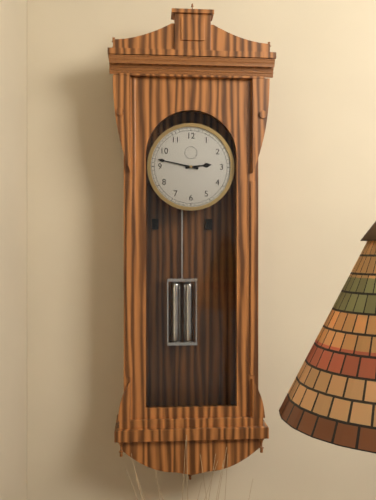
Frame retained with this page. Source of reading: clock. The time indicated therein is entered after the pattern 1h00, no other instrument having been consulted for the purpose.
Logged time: 2h47
